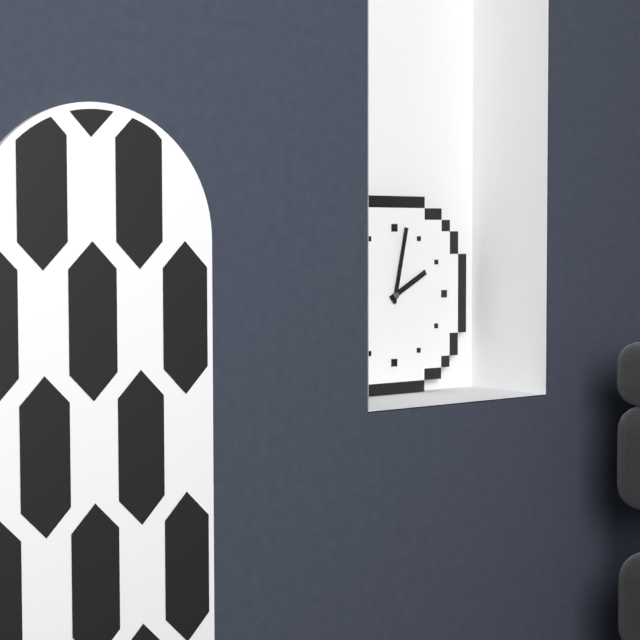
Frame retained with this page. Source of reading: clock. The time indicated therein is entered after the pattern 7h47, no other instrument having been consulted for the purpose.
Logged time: 2h02
